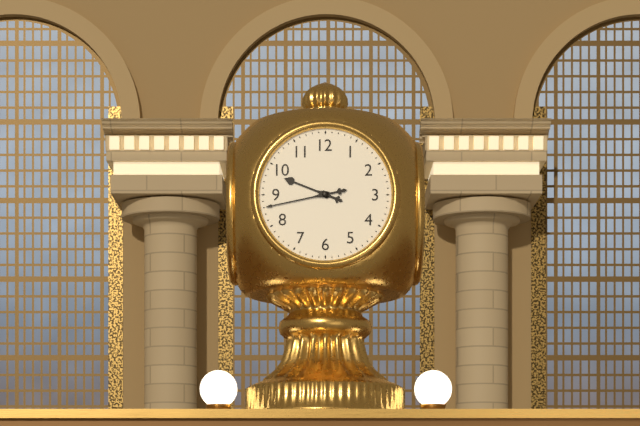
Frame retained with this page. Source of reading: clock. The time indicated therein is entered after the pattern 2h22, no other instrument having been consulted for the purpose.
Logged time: 9h43
